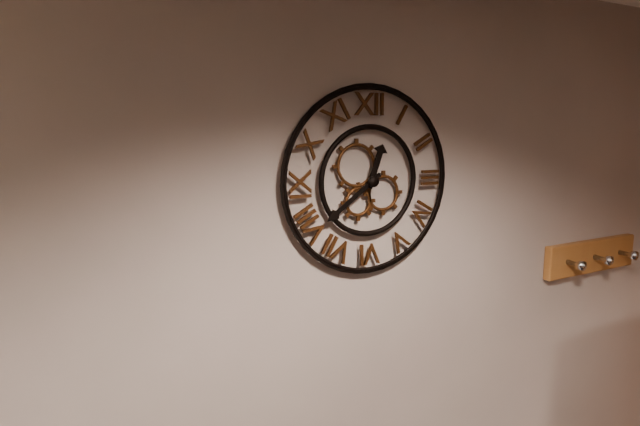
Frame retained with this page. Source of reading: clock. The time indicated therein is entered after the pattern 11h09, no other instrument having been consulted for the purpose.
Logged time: 12h39
